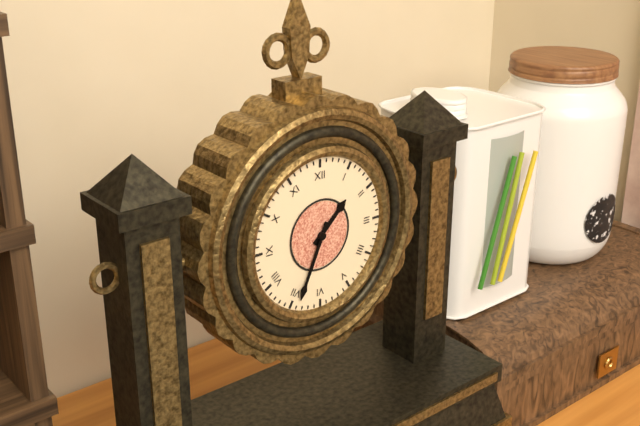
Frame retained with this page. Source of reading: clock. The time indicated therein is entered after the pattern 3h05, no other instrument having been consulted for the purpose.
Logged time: 1h34
